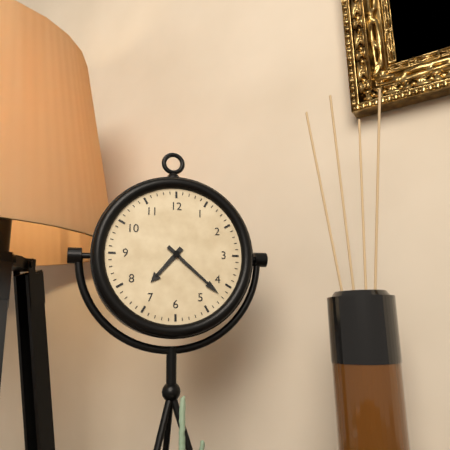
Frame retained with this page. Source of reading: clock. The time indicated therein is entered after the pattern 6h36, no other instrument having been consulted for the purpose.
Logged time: 7h22
